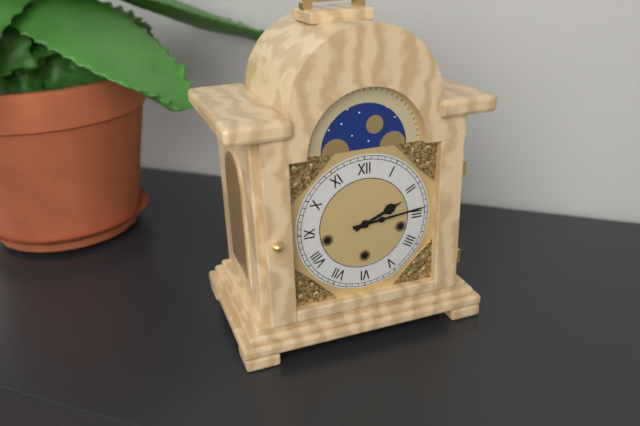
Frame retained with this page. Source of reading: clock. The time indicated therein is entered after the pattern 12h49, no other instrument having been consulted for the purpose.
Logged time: 2h14
